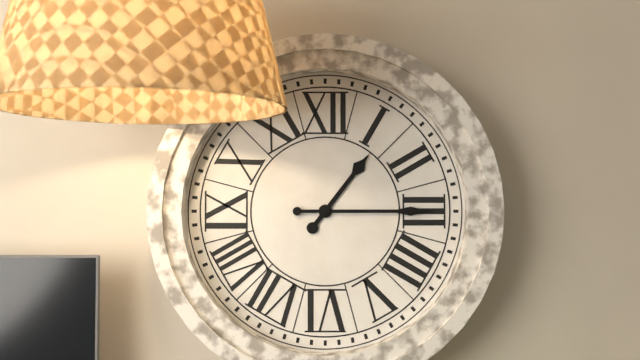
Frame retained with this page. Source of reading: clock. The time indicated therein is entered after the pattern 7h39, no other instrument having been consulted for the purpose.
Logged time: 1h15
